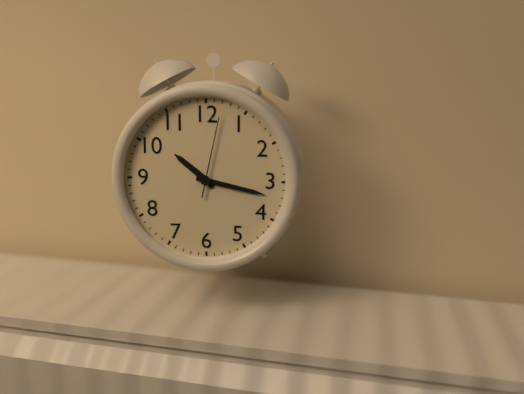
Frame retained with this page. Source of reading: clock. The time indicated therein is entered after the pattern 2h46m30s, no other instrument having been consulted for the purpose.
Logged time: 10h17m02s
